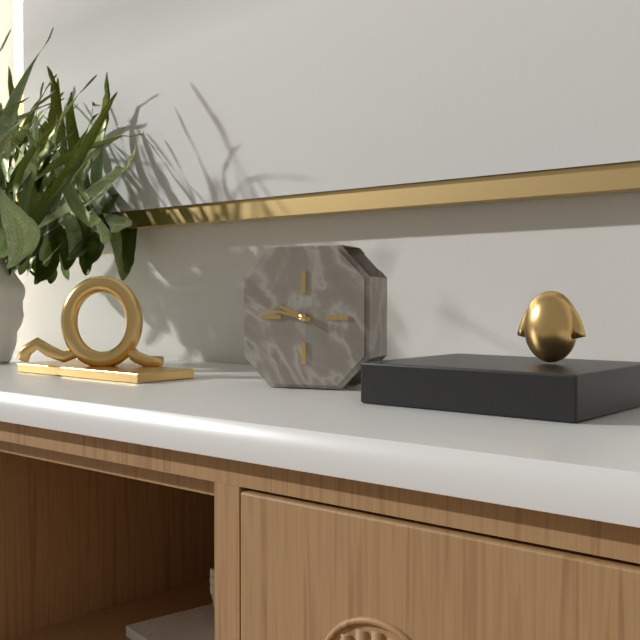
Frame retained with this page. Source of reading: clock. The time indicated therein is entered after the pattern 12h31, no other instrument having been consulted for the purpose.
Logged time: 9h47
